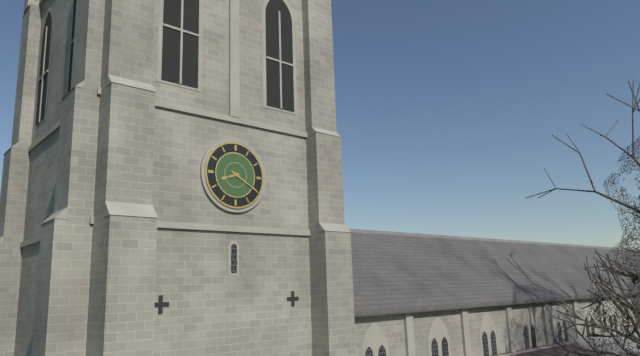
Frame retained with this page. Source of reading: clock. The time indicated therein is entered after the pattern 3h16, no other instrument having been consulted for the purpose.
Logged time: 8h20
